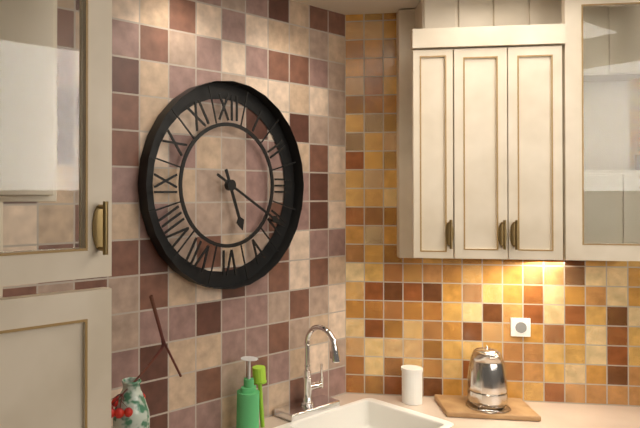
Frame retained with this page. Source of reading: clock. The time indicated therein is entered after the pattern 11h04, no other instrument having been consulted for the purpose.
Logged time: 5h20
